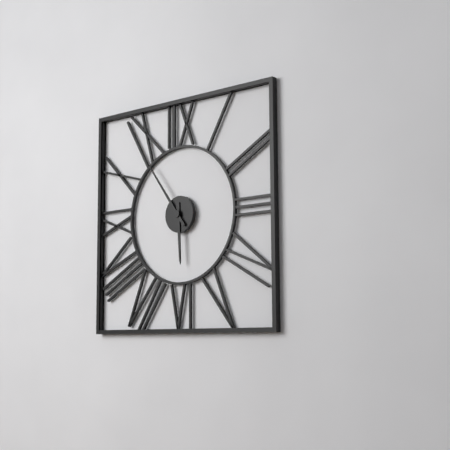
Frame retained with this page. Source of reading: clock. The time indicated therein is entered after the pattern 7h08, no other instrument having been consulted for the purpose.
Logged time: 5h54
